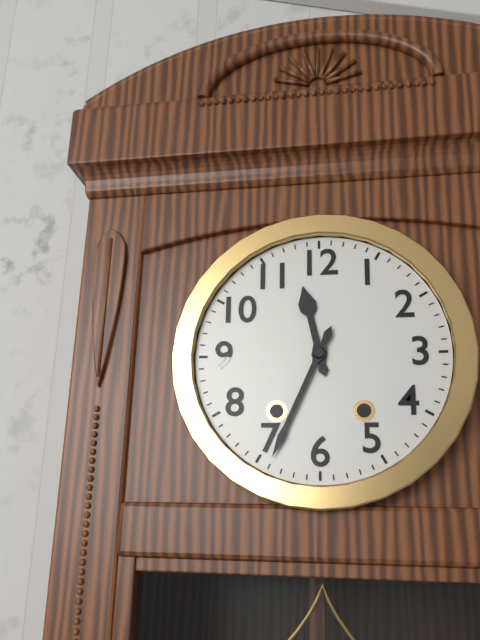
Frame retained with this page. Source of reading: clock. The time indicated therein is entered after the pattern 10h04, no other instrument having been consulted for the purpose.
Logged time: 11h34
